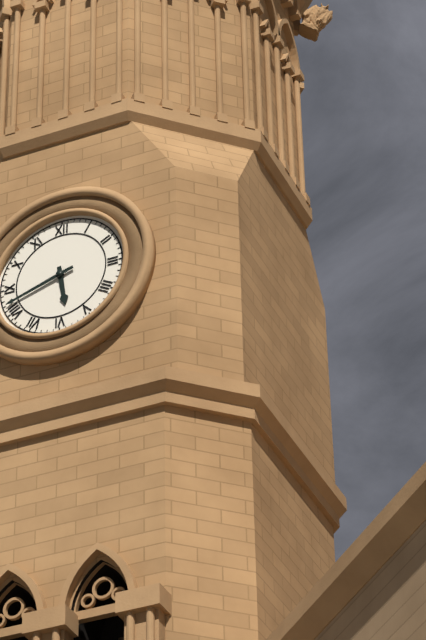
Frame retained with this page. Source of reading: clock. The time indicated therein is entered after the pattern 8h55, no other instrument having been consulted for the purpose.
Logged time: 5h42
